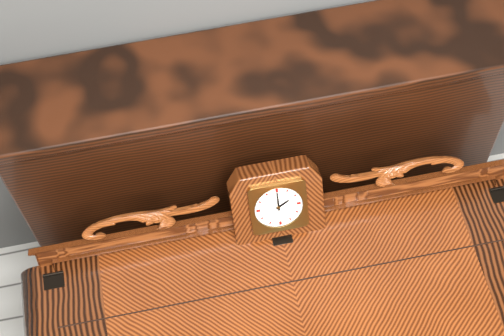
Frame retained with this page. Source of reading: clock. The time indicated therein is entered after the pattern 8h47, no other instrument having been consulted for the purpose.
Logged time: 2h00
